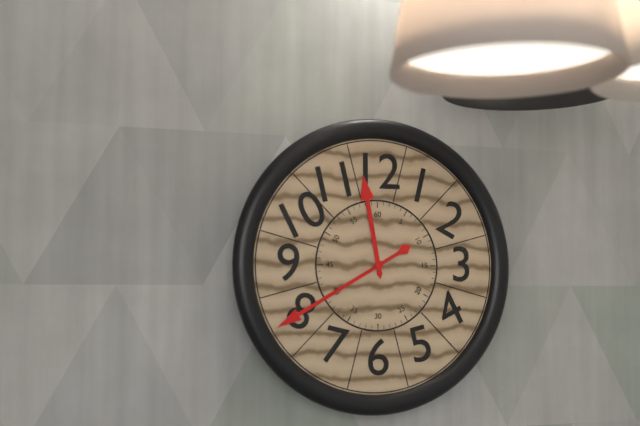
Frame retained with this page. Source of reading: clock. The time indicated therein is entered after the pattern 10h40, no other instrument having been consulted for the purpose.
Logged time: 11h40
